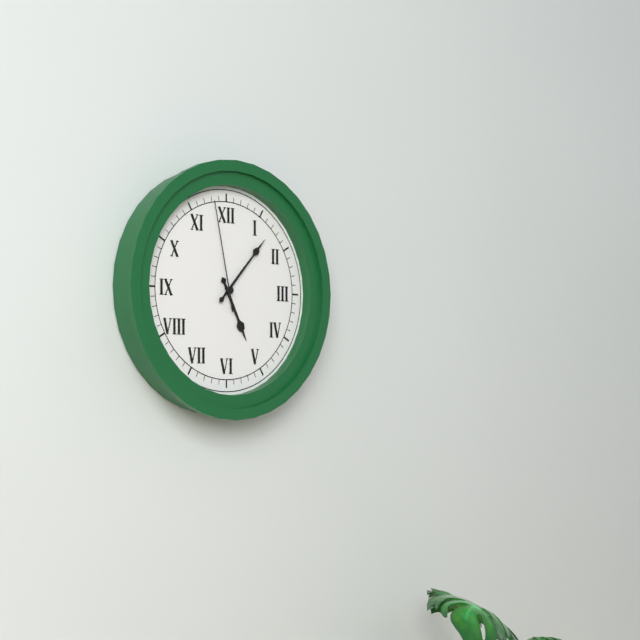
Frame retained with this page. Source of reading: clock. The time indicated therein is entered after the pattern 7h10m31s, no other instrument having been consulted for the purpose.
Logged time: 5h07m58s
